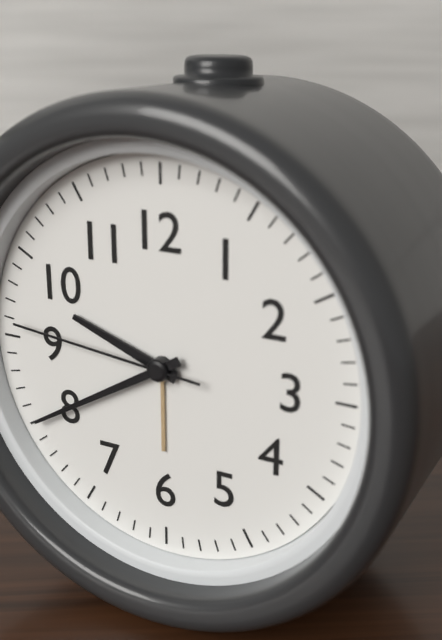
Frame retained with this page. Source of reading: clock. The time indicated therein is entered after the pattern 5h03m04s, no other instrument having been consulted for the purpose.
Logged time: 9h40m46s
